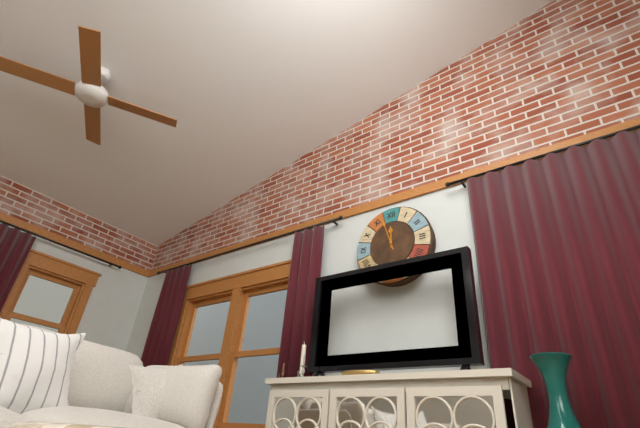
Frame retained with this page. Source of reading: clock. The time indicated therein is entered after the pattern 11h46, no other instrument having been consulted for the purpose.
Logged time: 11h57
